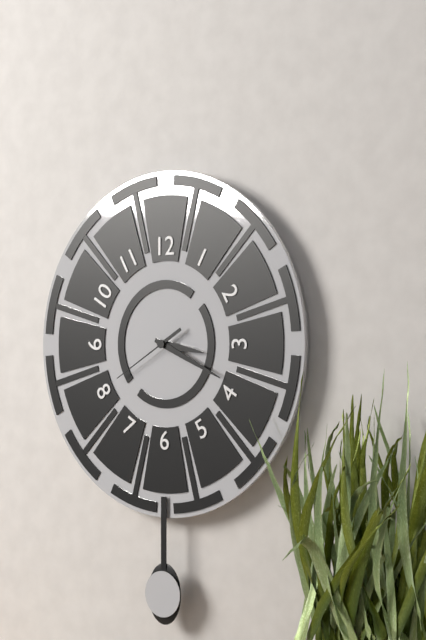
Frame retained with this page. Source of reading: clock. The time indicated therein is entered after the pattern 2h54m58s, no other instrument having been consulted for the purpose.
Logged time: 3h19m40s
